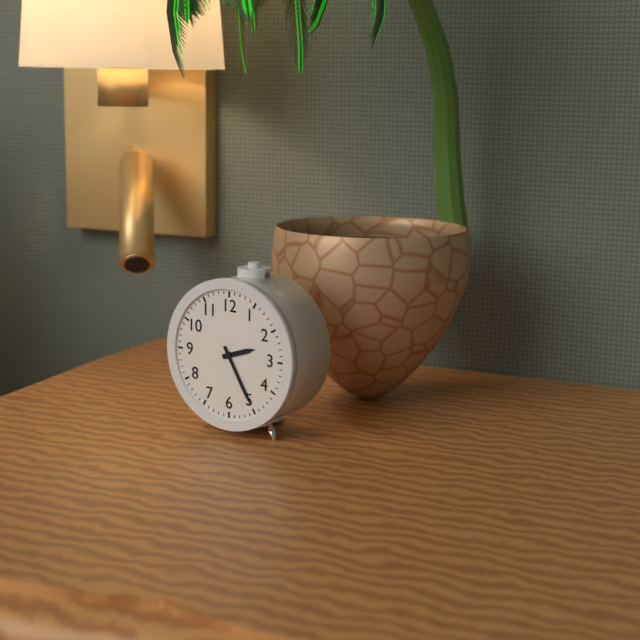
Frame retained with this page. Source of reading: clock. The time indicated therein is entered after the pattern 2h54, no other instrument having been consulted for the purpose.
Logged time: 2h25
